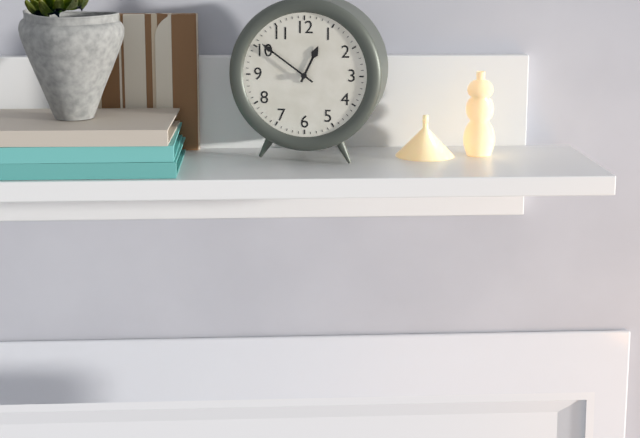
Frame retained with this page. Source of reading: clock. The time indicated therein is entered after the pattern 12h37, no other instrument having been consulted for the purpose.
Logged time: 12h51
